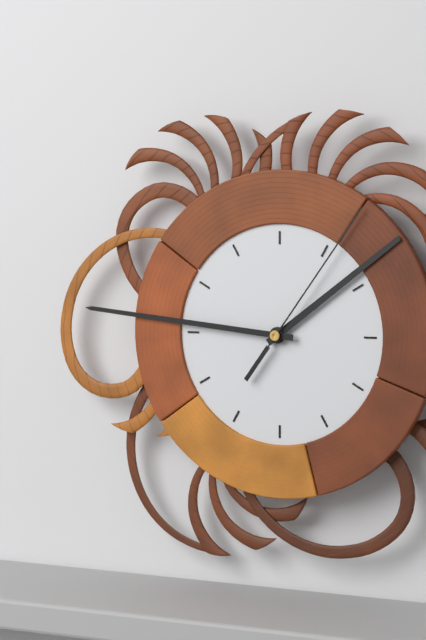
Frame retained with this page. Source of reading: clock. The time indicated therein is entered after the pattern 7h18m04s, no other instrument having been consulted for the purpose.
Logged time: 1h46m06s
